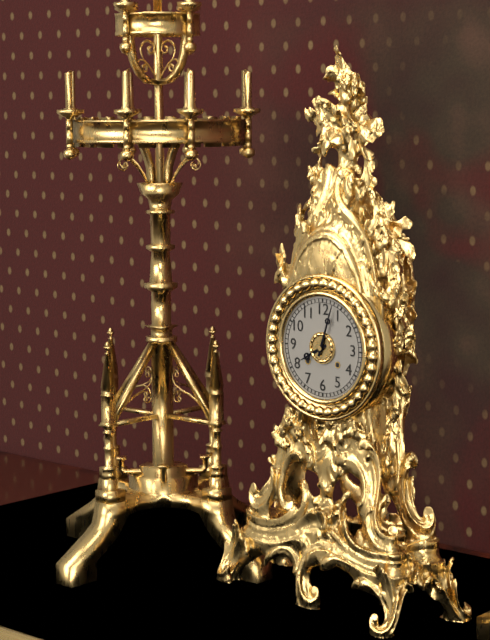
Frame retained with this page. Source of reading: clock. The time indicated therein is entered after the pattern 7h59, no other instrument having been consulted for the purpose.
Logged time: 8h03
